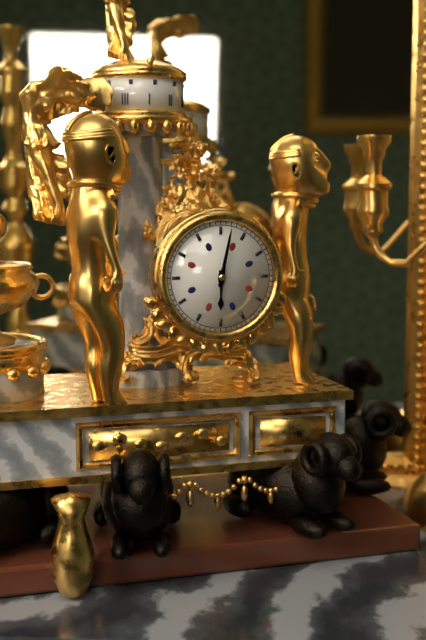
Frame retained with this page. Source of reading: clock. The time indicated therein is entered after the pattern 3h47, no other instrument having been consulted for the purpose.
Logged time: 6h02
